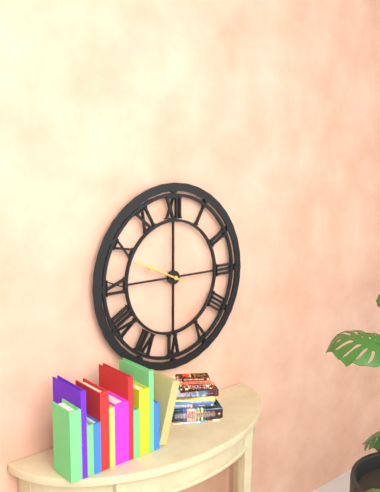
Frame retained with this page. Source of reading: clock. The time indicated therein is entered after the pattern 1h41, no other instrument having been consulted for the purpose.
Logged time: 9h49
